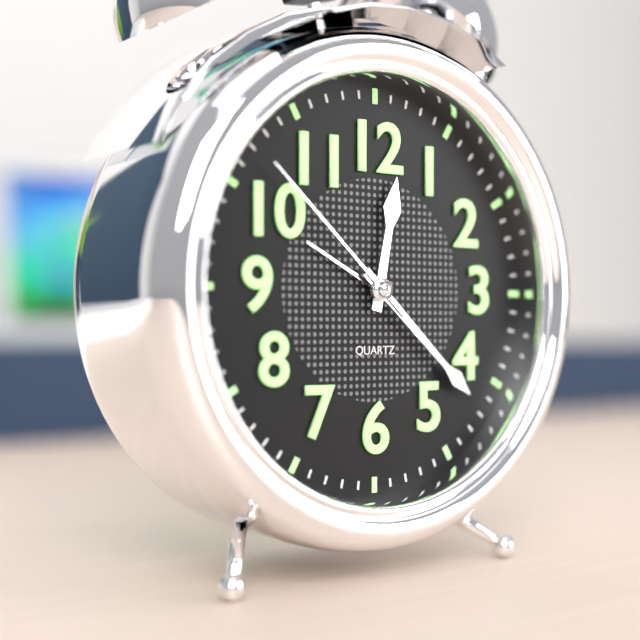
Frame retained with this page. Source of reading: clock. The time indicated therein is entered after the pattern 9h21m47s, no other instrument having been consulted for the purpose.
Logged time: 12h22m52s
